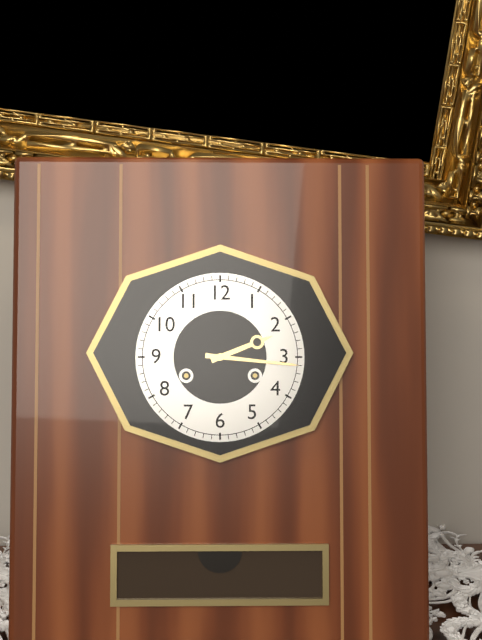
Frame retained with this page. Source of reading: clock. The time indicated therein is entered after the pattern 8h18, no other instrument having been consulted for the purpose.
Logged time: 2h16
